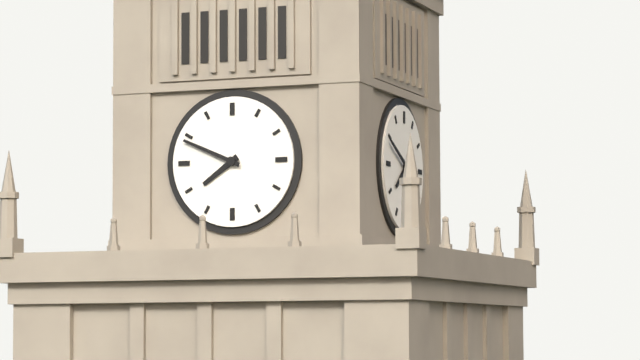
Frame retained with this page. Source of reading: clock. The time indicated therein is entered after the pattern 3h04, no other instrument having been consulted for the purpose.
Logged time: 7h49
